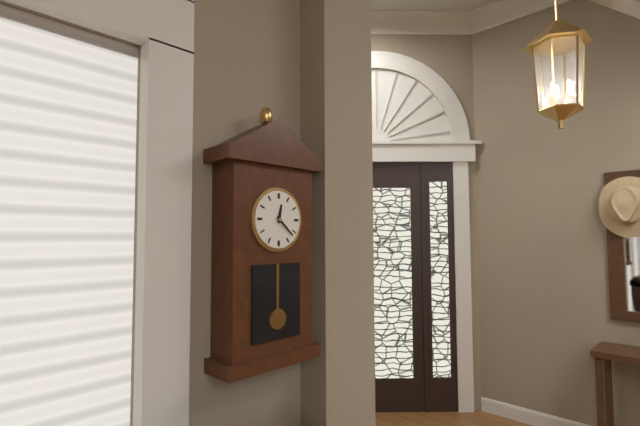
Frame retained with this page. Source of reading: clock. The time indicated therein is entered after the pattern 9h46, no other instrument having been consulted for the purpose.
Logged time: 12h22
